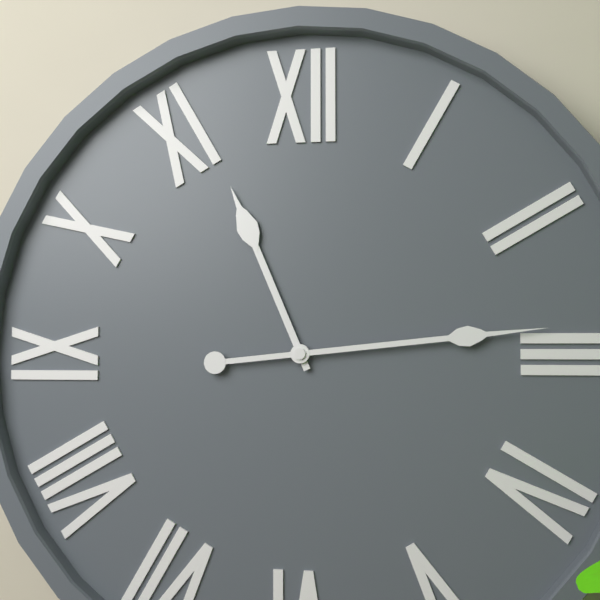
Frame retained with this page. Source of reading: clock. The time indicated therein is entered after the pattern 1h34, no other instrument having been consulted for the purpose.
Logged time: 11h14
